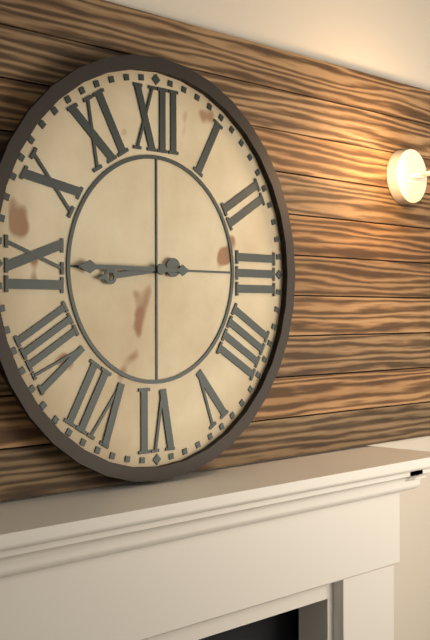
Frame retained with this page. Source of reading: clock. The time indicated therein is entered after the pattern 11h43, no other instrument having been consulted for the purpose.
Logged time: 8h45
